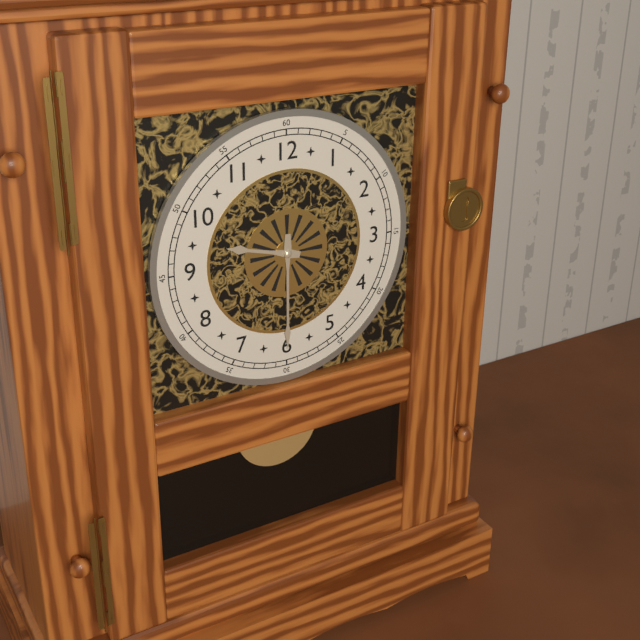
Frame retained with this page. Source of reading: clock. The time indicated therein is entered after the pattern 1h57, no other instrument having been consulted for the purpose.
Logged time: 9h30
